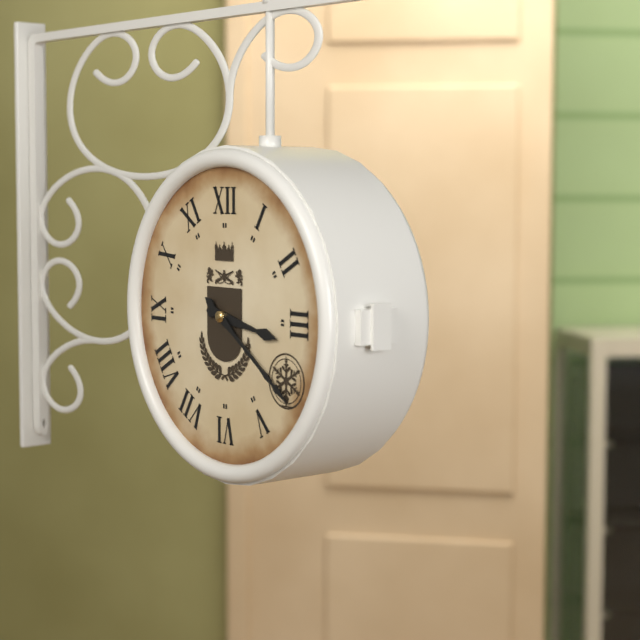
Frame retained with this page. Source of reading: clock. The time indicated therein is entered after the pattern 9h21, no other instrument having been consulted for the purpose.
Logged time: 3h21
